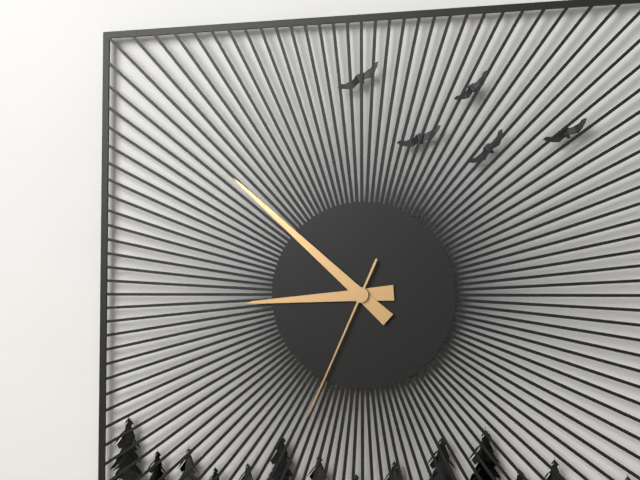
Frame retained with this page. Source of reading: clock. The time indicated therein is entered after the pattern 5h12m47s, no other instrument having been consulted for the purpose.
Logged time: 8h52m34s
